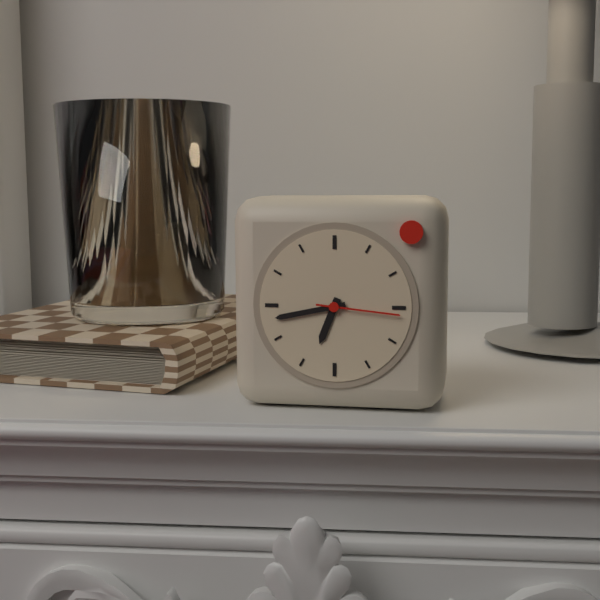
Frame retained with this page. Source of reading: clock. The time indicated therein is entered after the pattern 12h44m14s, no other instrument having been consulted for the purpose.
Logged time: 6h43m16s
